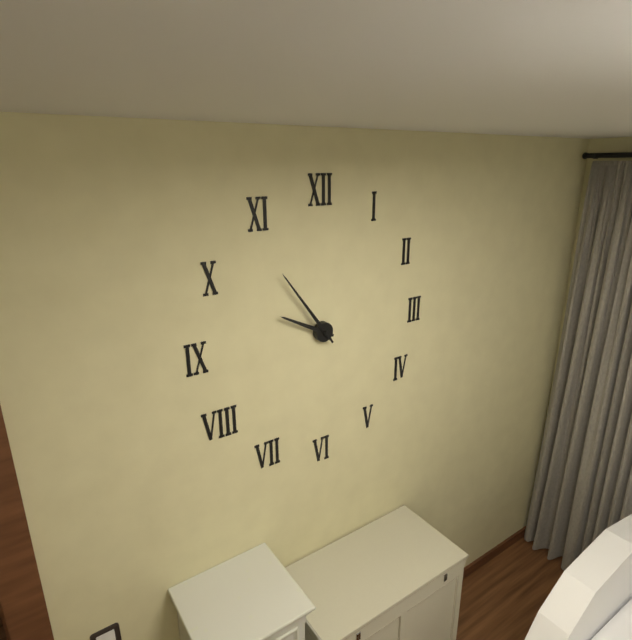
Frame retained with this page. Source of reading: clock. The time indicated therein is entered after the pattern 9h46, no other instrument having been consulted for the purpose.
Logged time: 9h54
